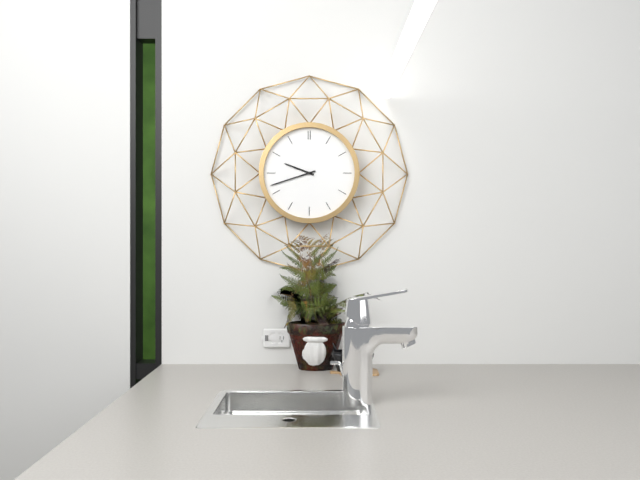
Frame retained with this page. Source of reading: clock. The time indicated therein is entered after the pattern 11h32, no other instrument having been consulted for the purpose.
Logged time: 9h42
